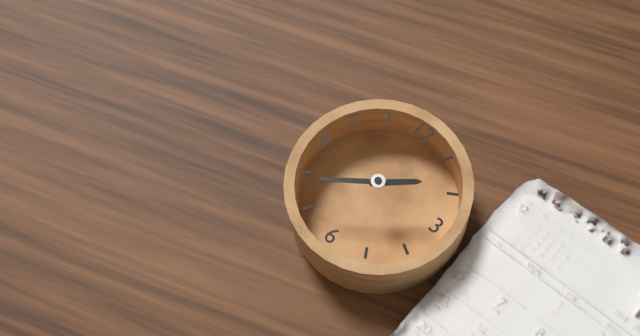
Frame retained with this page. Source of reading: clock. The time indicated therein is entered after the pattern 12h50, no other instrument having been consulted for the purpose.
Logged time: 1h39
